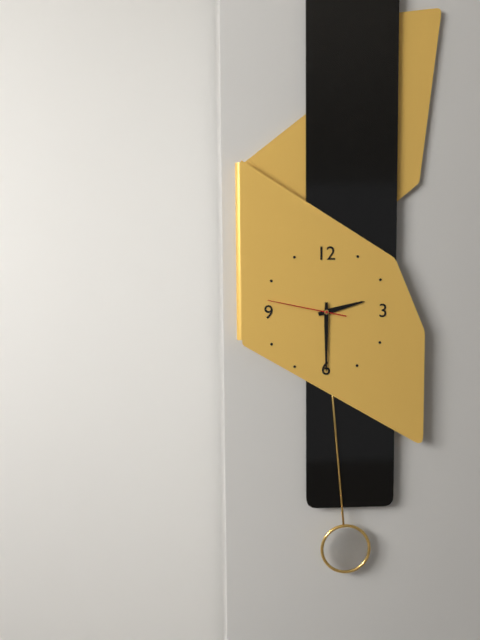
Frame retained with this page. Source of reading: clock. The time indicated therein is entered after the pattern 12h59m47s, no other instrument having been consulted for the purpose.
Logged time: 2h30m47s
